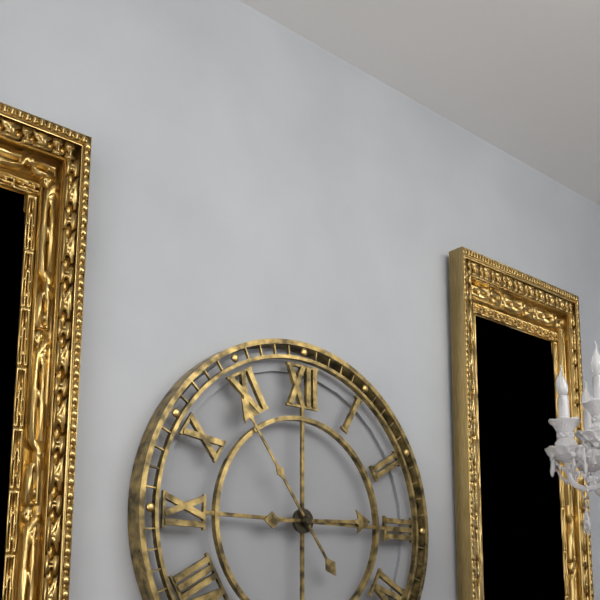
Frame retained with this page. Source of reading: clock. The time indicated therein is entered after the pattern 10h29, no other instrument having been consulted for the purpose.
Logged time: 2h54
